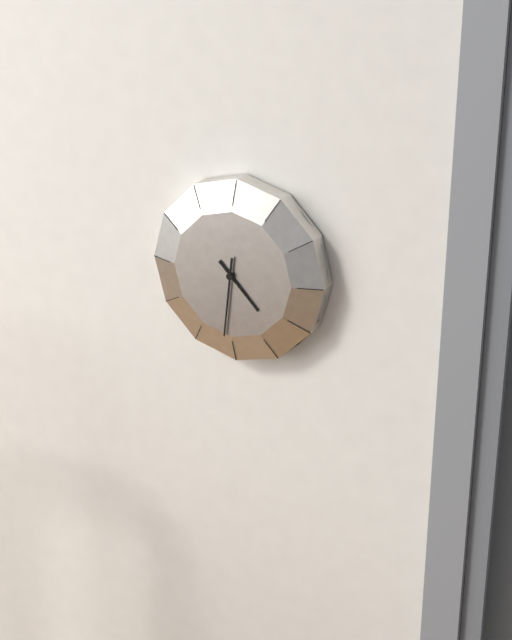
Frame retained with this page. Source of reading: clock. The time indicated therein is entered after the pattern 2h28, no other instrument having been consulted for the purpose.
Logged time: 4h31
